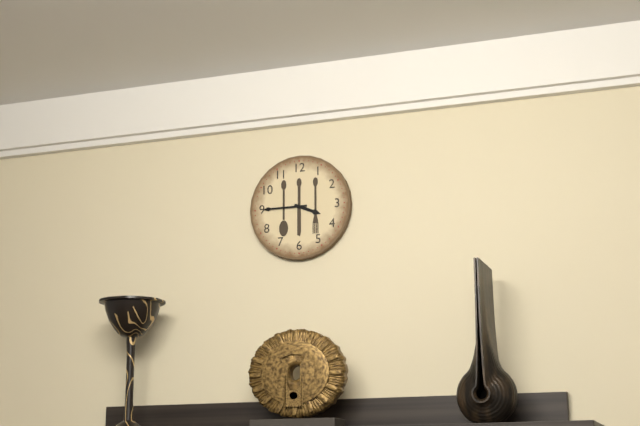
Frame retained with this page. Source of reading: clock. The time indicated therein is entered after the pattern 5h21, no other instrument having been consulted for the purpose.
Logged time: 3h45
